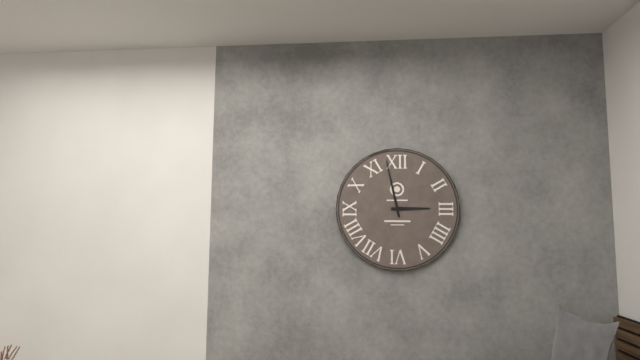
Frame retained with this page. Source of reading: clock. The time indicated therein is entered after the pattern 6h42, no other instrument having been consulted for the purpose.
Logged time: 2h58
